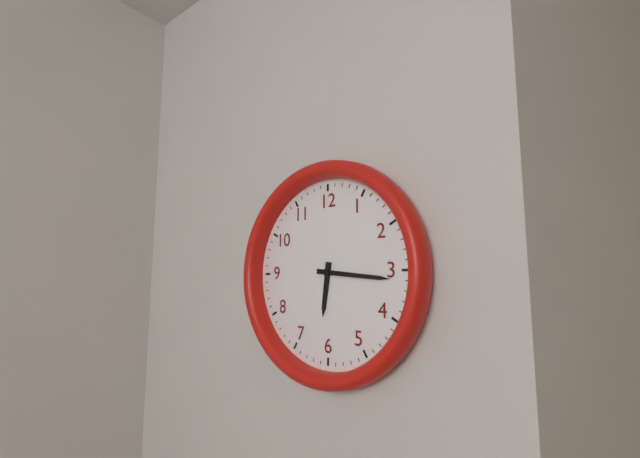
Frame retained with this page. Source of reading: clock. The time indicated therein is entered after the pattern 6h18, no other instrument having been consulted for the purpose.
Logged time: 6h16
